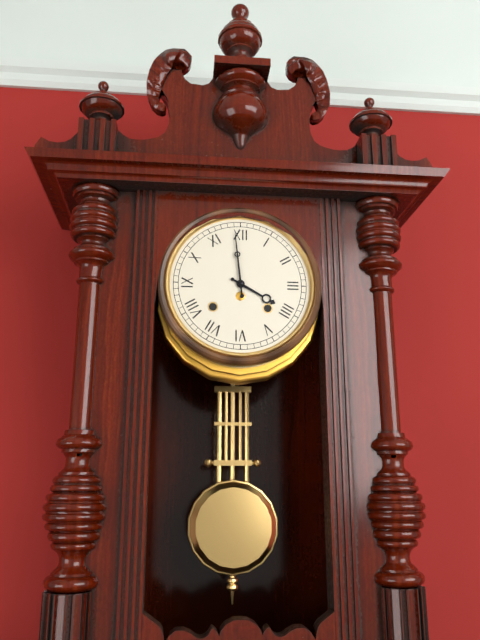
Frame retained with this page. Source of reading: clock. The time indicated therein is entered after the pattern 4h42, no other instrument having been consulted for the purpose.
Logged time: 3h59
